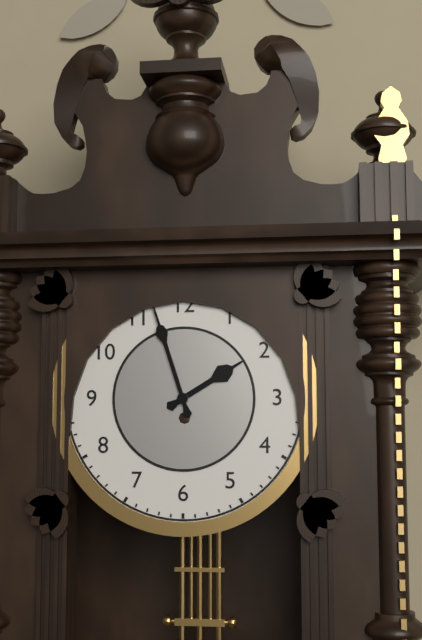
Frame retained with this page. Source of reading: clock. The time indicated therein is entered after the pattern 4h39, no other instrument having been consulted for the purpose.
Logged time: 1h57
